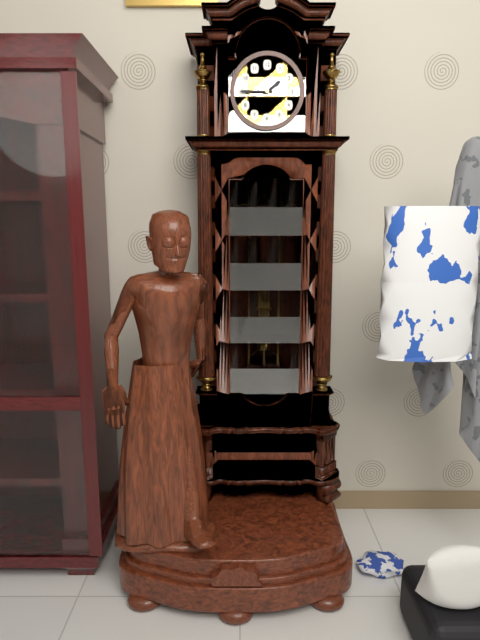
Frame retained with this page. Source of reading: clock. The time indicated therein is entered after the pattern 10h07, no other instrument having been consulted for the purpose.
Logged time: 1h45
